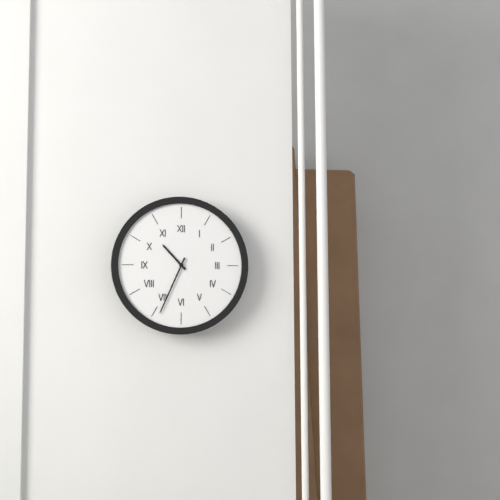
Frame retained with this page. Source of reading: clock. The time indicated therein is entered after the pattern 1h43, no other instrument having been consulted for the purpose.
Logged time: 10h34
